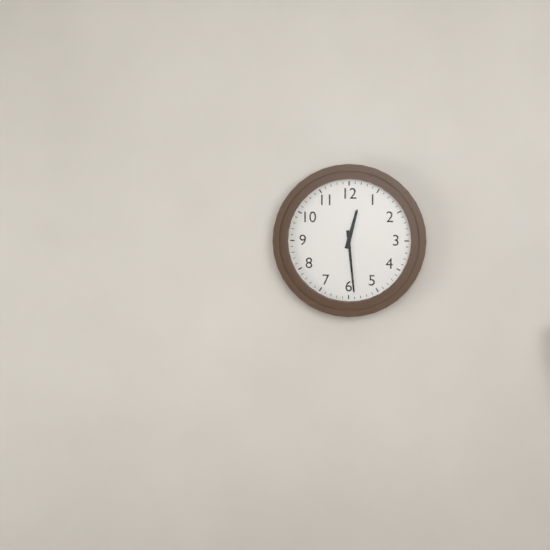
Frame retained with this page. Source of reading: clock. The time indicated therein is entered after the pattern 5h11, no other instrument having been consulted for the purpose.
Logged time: 12h29
